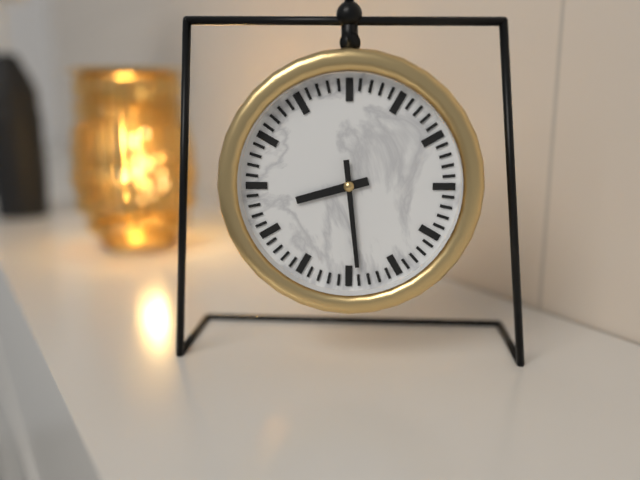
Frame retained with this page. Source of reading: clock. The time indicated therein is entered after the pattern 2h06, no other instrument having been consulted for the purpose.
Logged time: 8h29
